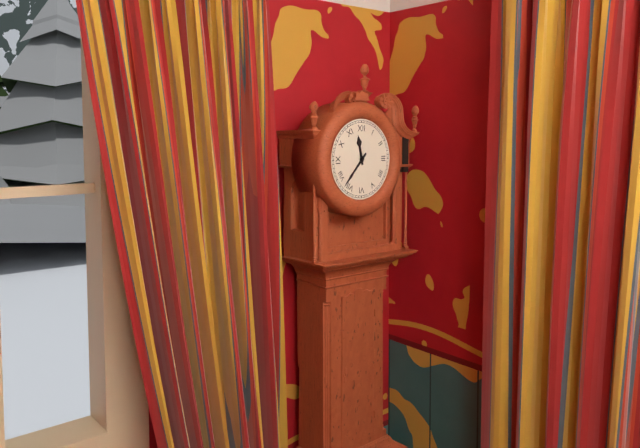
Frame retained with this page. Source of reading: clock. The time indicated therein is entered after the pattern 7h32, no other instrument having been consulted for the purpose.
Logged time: 11h37
